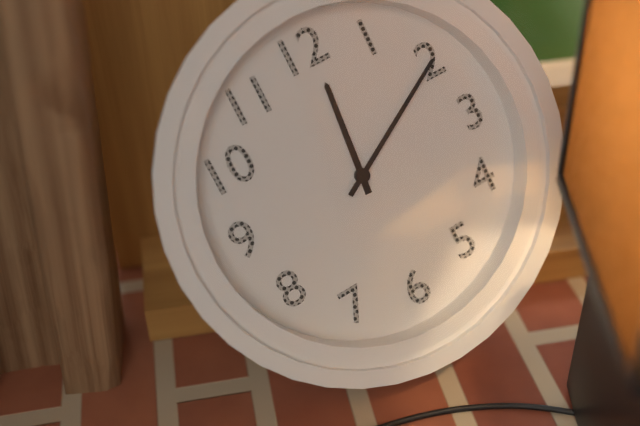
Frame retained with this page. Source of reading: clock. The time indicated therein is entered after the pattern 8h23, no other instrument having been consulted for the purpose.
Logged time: 12h10
